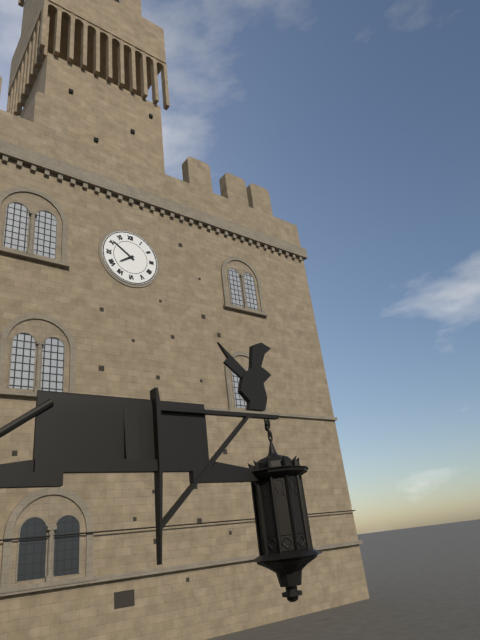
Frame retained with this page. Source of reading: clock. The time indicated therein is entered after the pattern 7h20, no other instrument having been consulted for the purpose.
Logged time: 7h51
